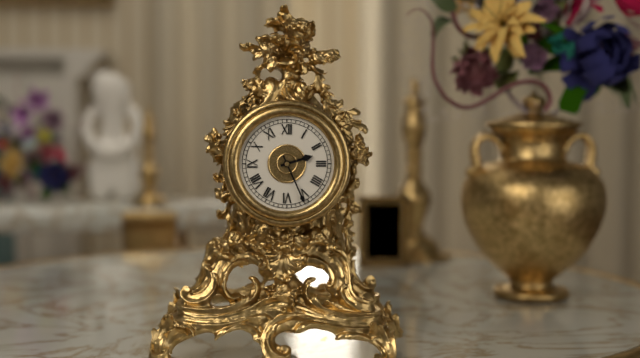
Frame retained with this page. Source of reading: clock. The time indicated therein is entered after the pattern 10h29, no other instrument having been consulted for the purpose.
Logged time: 2h26
